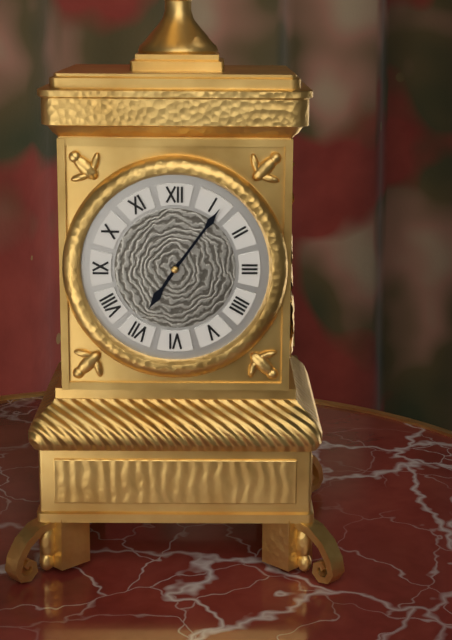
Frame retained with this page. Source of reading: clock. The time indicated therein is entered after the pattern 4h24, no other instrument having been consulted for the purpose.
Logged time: 7h06
